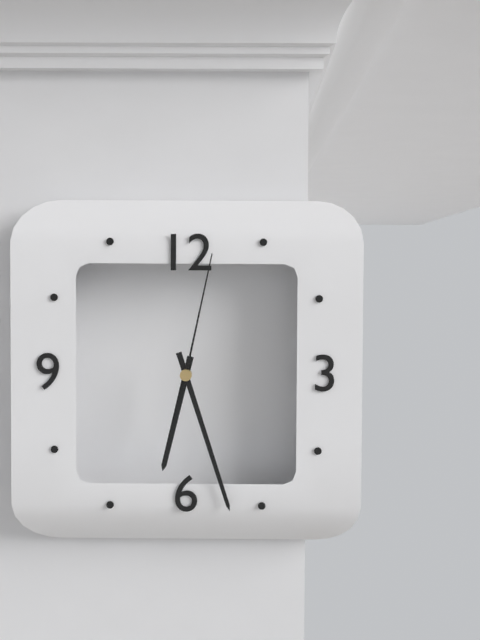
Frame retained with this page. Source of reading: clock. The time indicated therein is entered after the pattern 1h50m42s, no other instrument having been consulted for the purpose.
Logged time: 6h27m02s
